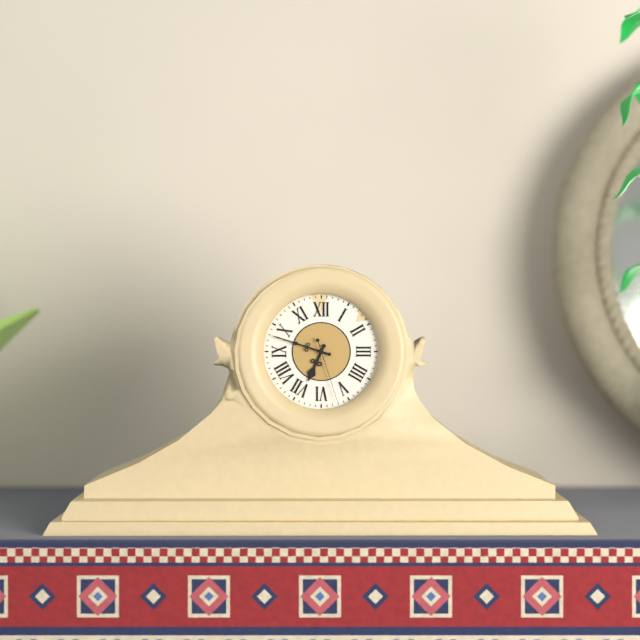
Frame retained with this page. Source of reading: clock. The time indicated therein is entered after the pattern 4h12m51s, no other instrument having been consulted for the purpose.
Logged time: 6h48m27s
